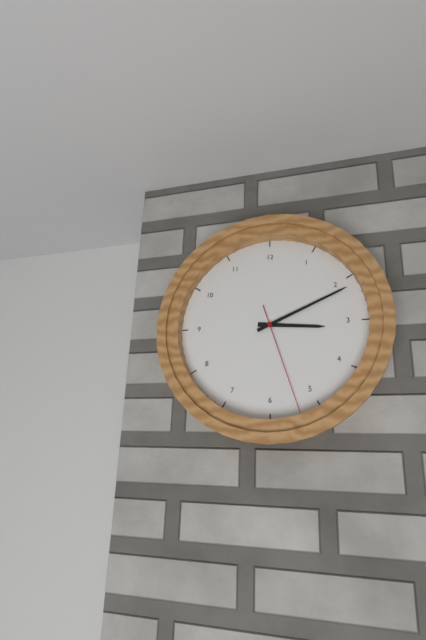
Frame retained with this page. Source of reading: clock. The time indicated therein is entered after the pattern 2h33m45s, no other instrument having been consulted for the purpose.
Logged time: 3h11m27s
